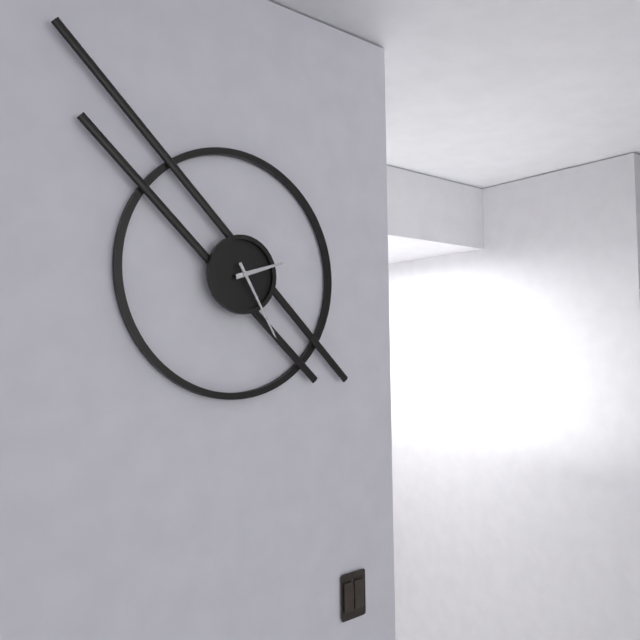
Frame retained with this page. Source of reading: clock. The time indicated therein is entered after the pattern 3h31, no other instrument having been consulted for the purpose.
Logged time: 2h25
